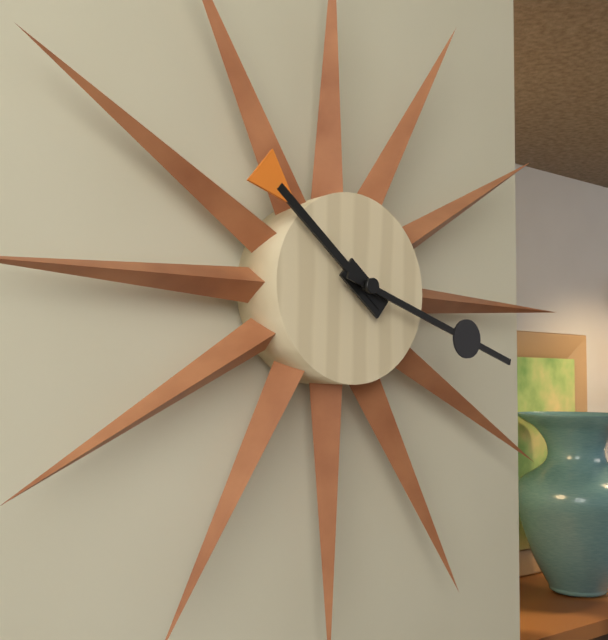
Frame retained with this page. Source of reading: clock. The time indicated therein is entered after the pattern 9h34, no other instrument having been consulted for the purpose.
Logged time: 10h18
